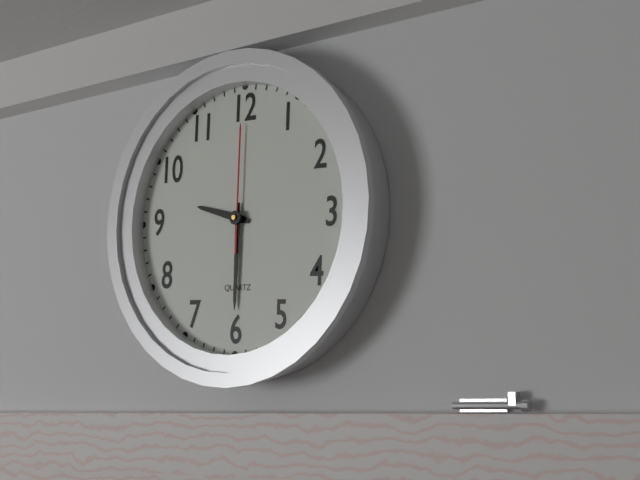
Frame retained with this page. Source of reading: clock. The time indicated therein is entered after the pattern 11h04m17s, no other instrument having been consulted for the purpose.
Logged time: 9h30m00s
